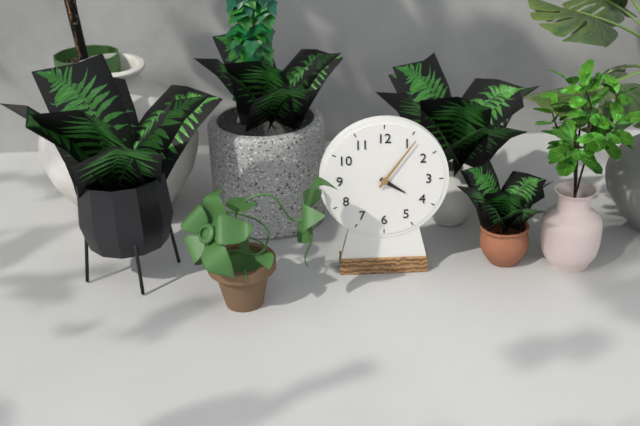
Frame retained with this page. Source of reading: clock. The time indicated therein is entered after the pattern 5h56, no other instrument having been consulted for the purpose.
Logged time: 4h06
